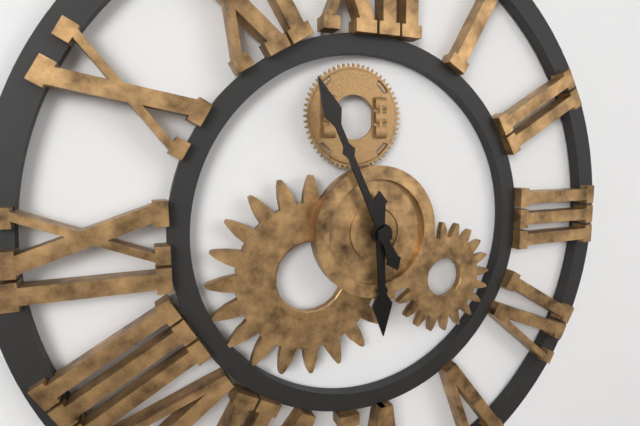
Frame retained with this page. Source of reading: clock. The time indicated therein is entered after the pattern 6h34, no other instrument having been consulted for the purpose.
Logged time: 5h56
